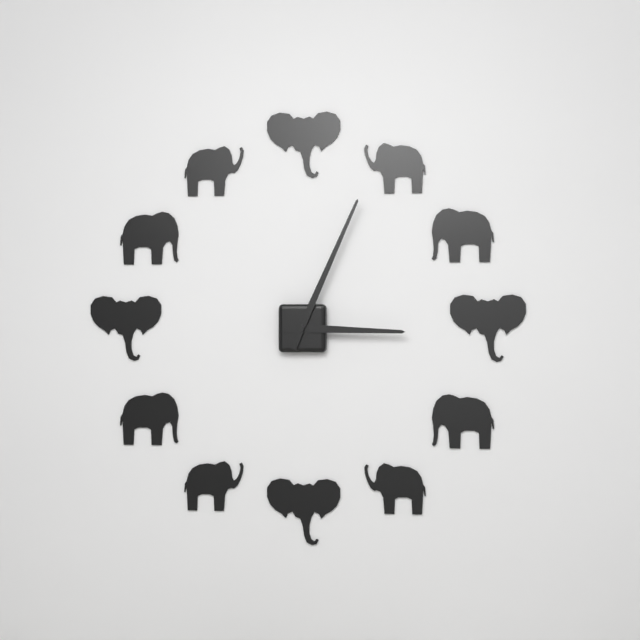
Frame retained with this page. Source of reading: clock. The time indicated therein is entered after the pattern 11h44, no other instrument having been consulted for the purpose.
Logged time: 3h04
